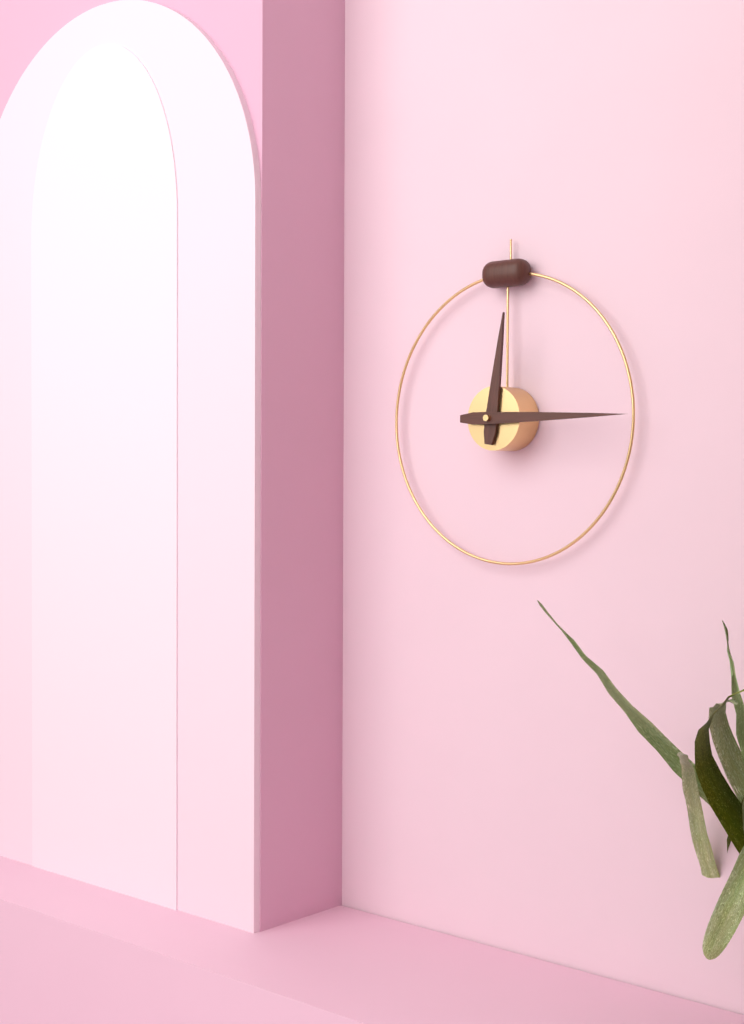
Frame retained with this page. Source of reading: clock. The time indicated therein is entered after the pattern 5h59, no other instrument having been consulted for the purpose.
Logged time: 12h15
